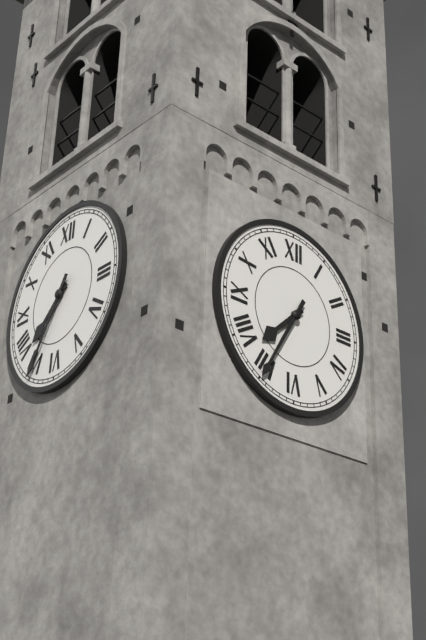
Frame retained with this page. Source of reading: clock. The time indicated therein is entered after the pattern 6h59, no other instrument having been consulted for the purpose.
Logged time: 7h35
